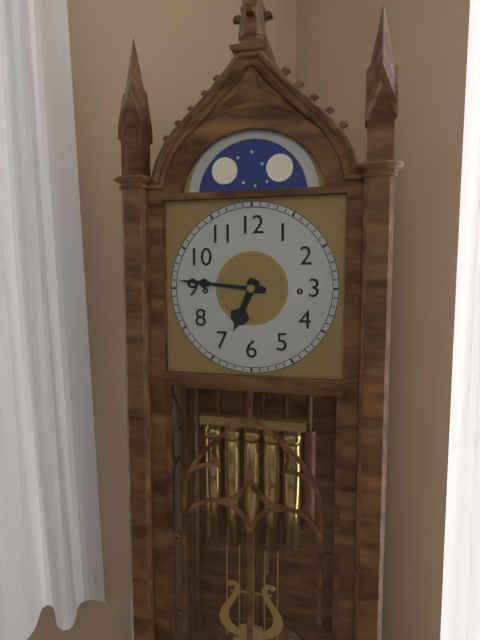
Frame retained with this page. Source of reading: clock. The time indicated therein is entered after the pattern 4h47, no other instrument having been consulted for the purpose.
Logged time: 6h46
